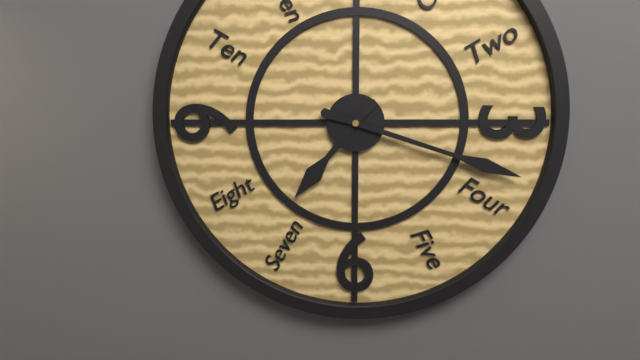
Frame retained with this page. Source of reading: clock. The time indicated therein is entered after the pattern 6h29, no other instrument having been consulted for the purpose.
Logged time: 7h18
